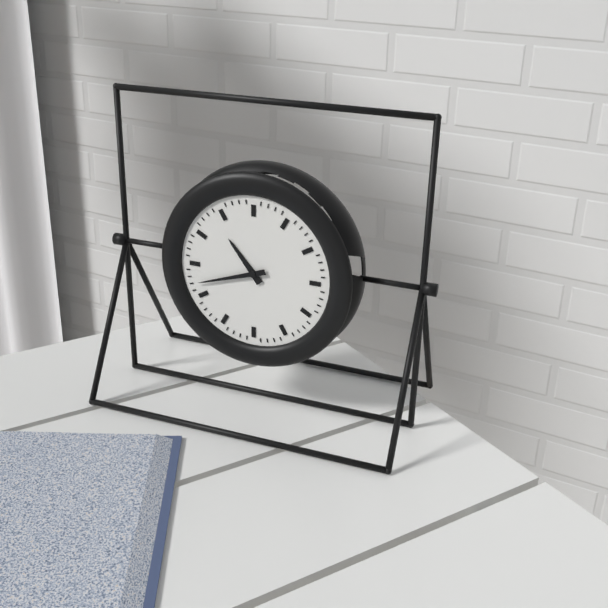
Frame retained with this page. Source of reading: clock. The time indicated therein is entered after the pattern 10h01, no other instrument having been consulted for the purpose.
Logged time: 10h42
